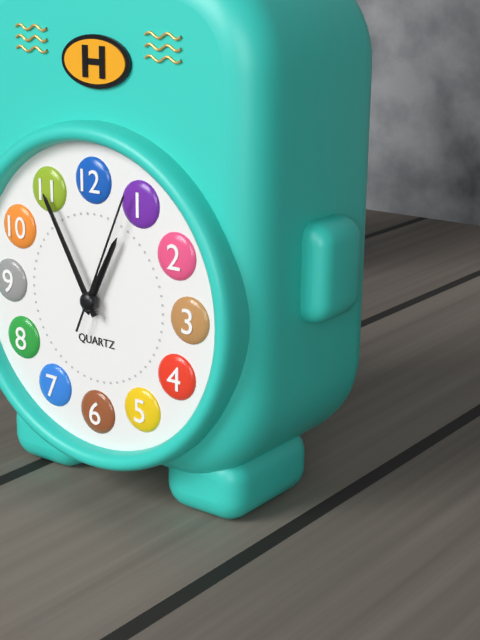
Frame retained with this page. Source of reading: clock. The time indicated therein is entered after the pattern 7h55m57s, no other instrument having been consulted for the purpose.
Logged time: 12h55m04s
